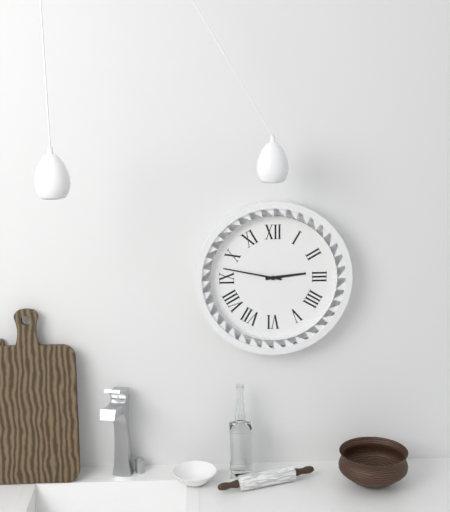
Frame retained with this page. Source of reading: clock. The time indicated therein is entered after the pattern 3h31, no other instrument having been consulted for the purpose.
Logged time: 2h47
